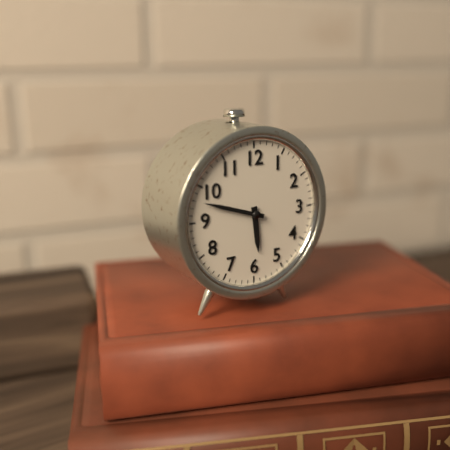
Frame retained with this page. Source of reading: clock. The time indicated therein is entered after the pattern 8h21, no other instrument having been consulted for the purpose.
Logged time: 5h48
